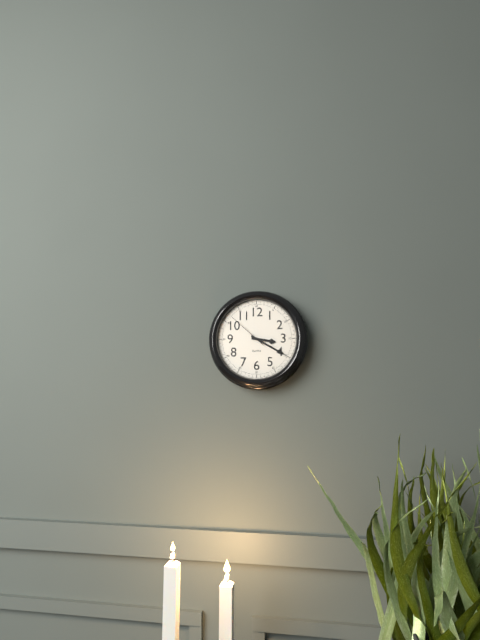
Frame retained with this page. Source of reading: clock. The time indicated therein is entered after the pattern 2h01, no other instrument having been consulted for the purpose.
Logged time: 3h20
